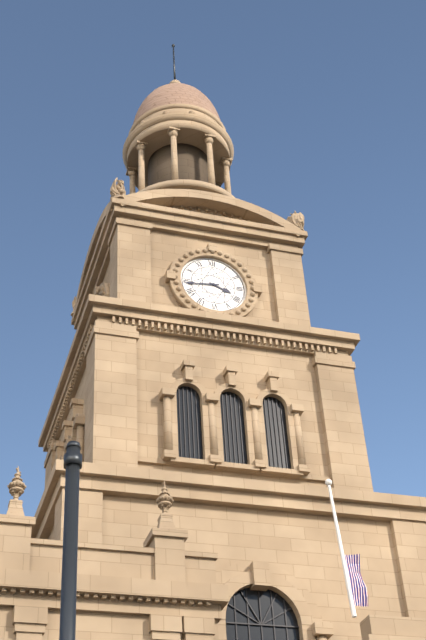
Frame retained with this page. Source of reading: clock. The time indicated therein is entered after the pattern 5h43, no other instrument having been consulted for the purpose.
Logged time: 3h44
